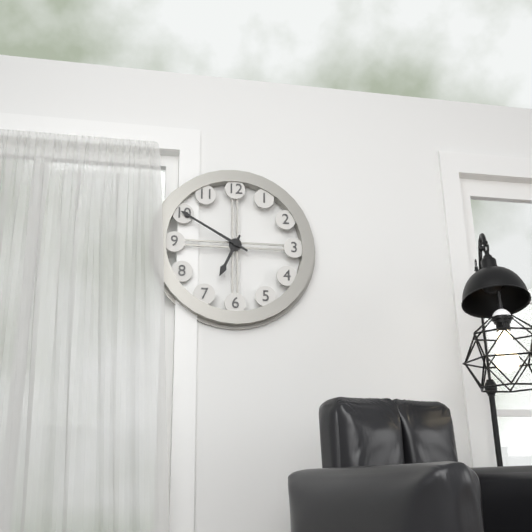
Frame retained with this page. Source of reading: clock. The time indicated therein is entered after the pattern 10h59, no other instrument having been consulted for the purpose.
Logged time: 6h50
